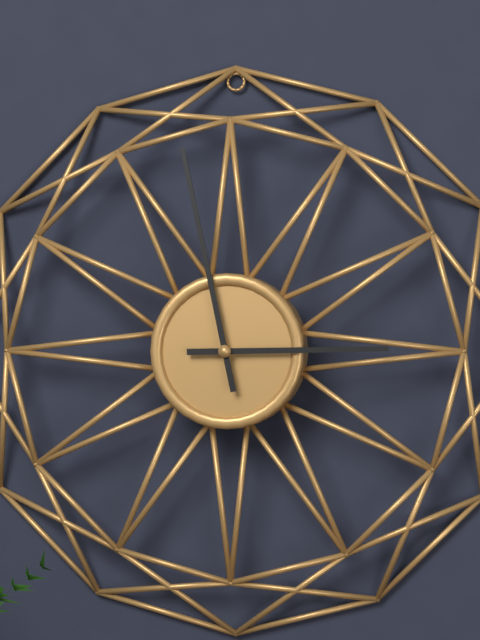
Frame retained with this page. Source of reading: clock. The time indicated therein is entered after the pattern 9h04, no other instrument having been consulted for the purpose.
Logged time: 2h58
